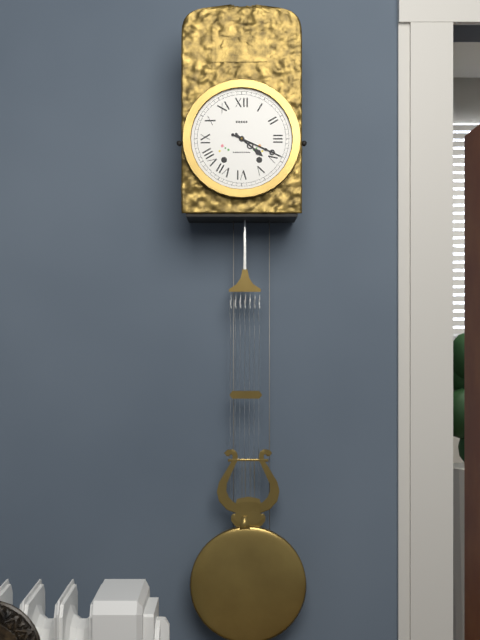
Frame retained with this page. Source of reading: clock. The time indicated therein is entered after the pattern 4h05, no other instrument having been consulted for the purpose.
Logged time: 4h19
